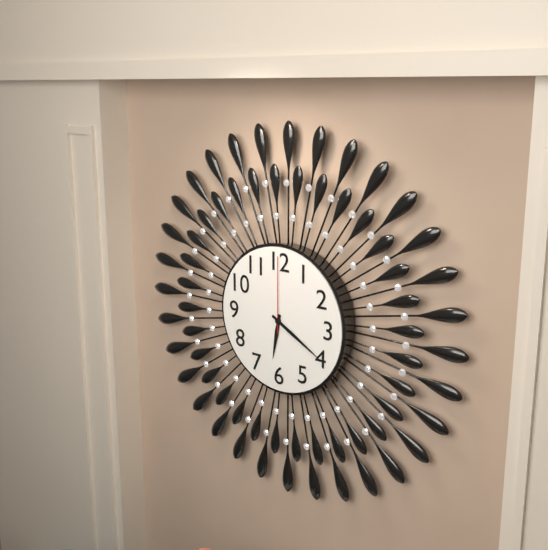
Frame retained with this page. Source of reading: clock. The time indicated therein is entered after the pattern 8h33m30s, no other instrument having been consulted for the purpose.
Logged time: 6h20m00s
